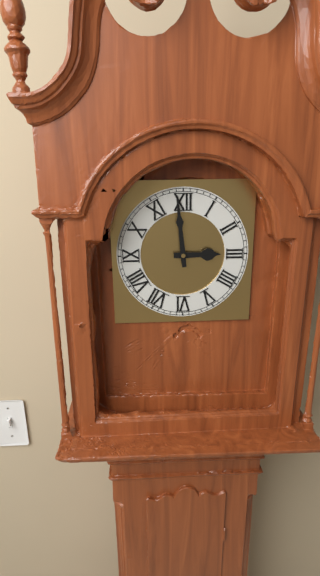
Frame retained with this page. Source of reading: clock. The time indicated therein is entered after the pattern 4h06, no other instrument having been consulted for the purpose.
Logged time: 2h59
